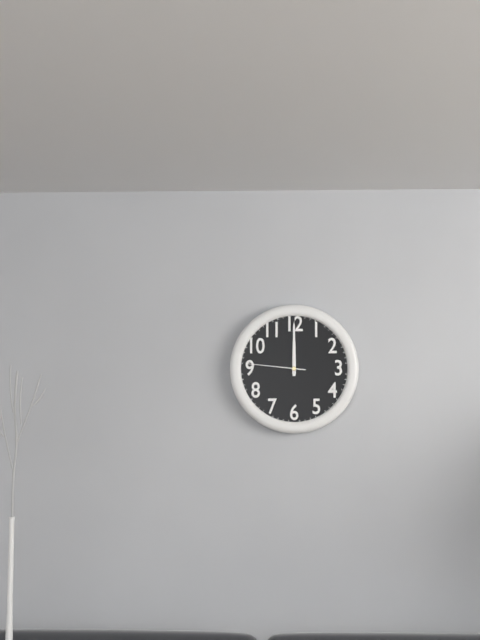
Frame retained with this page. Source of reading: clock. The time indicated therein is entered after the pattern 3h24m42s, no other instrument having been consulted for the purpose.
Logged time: 12h00m46s
